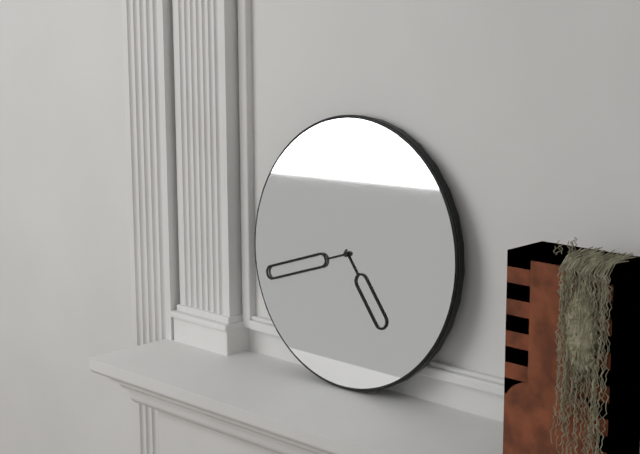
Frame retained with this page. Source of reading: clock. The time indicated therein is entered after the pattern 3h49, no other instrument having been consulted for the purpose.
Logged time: 4h42
